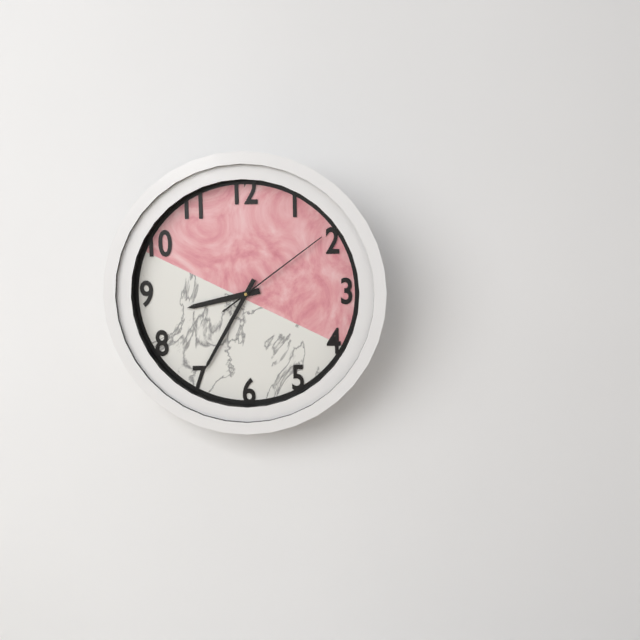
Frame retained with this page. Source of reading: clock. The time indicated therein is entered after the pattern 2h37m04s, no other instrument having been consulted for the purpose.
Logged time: 8h35m09s
